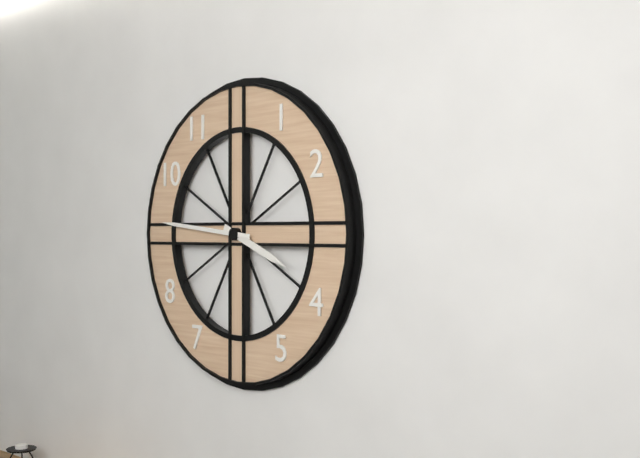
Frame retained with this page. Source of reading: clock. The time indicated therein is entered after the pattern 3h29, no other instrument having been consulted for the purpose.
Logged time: 3h46
